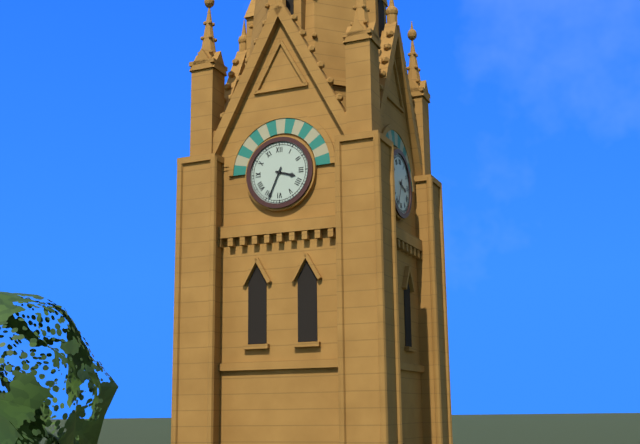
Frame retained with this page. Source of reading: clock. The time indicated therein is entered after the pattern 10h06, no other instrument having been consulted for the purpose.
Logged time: 3h34
